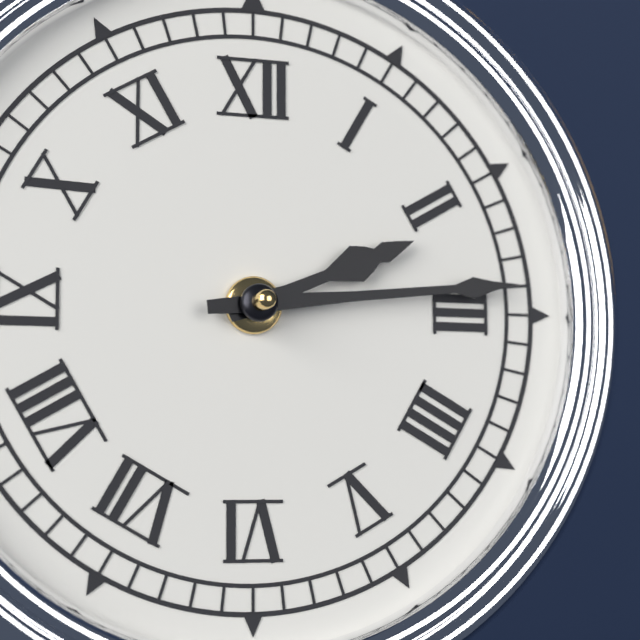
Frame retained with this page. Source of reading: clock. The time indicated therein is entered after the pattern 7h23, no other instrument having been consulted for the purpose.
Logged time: 2h14
